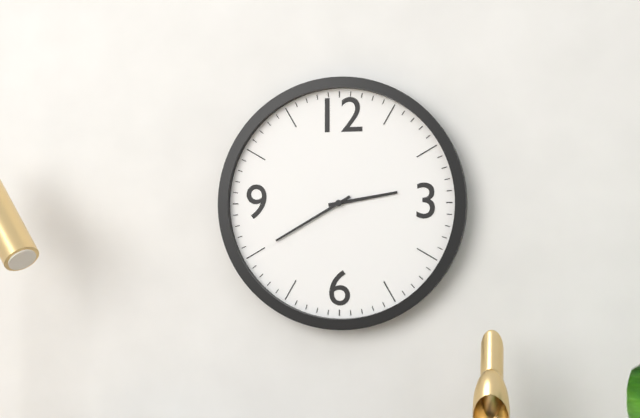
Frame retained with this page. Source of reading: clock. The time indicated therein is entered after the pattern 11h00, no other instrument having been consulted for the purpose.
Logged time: 2h40
